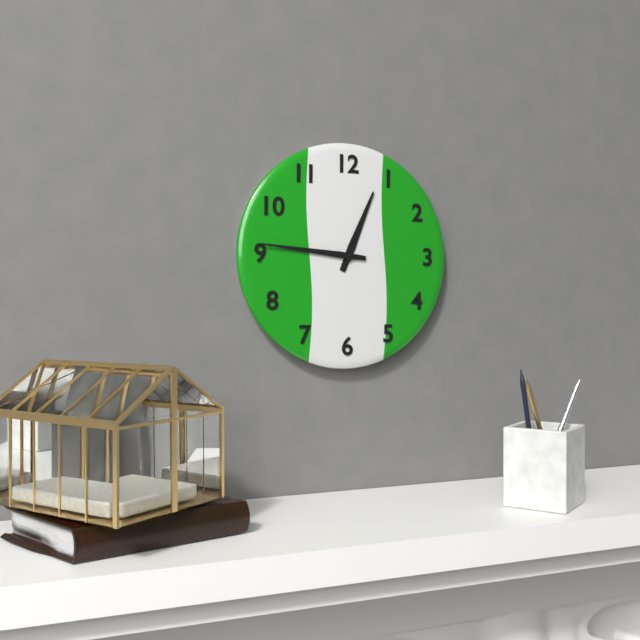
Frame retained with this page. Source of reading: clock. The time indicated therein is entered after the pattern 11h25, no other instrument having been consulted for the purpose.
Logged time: 12h46
